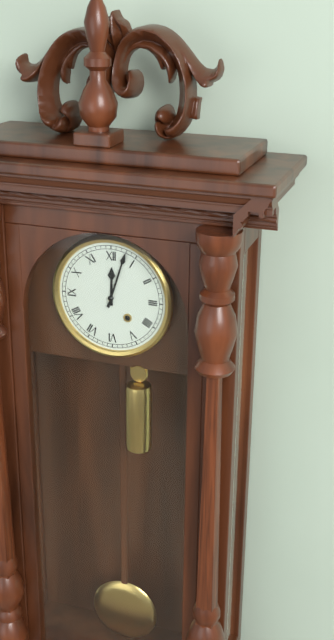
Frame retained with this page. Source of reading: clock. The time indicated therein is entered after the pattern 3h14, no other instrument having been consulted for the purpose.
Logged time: 12h03
